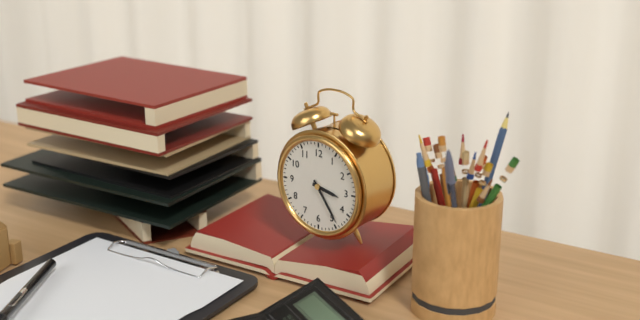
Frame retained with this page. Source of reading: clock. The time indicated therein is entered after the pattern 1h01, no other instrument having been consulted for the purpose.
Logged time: 3h24
